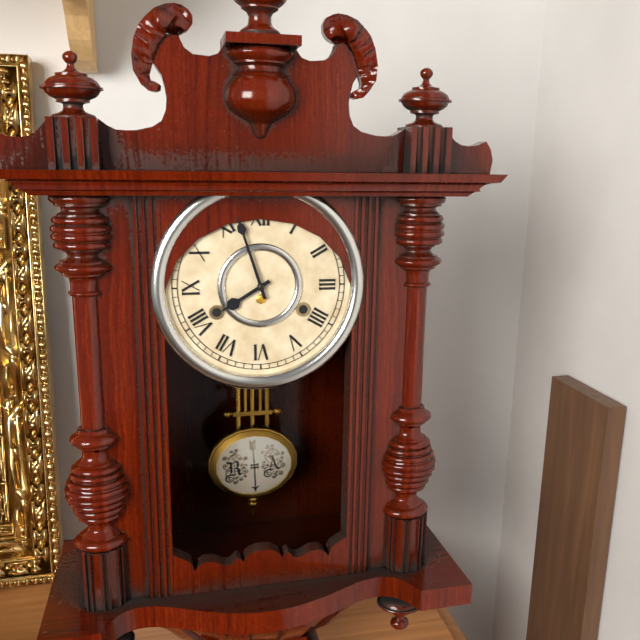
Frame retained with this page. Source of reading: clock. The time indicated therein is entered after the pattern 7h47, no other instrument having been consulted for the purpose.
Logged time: 7h57
